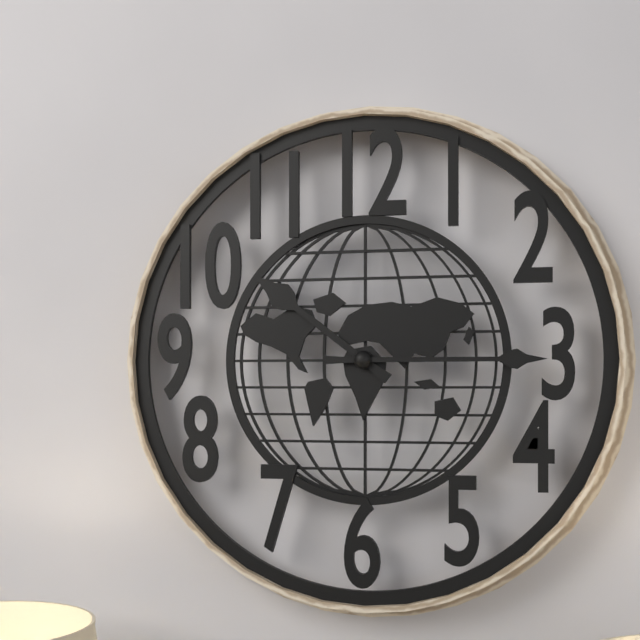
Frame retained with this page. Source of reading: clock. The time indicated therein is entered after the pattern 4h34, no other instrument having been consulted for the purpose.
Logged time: 10h15
